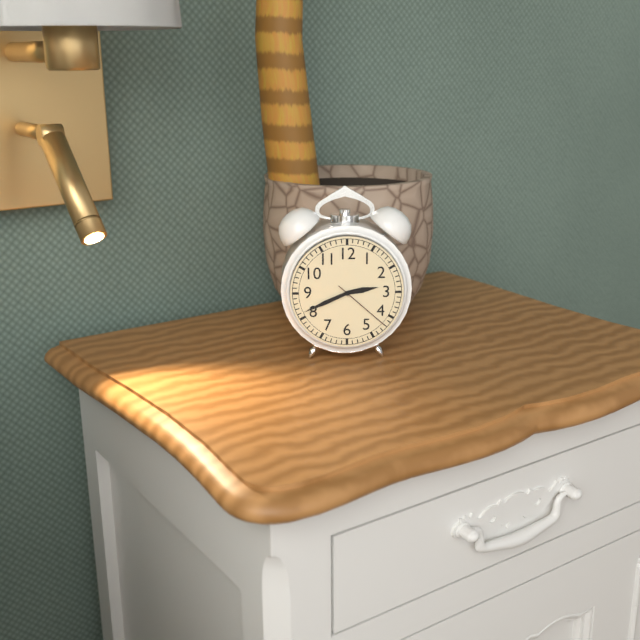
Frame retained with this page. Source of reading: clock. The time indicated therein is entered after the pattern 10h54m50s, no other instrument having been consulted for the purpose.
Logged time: 2h41m22s
